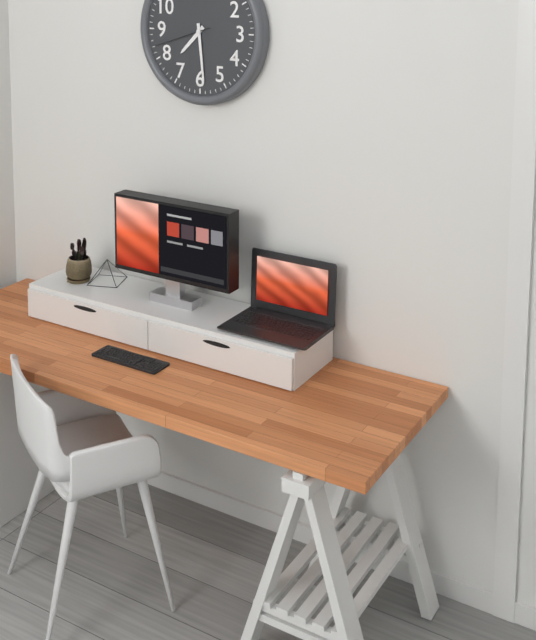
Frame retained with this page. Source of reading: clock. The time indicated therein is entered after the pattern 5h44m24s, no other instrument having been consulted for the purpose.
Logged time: 7h29m42s
